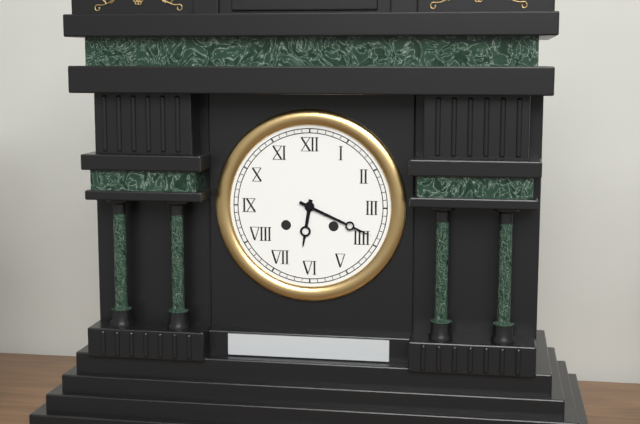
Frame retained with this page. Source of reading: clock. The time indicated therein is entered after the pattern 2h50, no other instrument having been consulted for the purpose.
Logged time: 6h19
